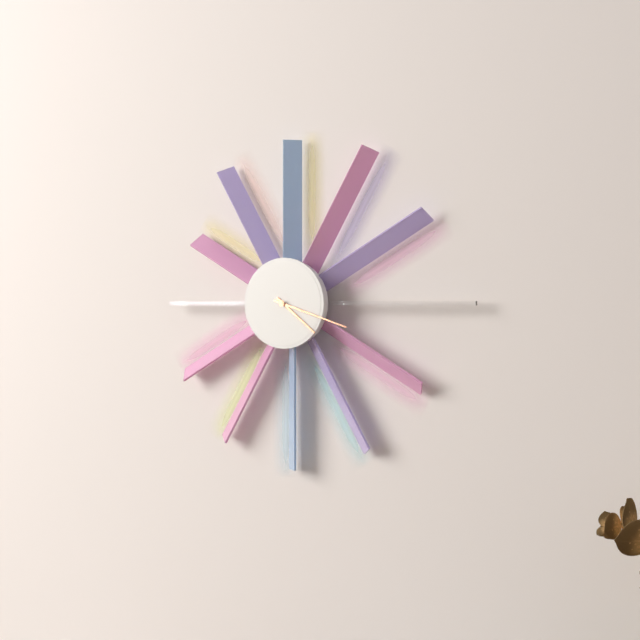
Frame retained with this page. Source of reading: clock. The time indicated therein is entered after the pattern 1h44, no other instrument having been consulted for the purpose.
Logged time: 4h18
